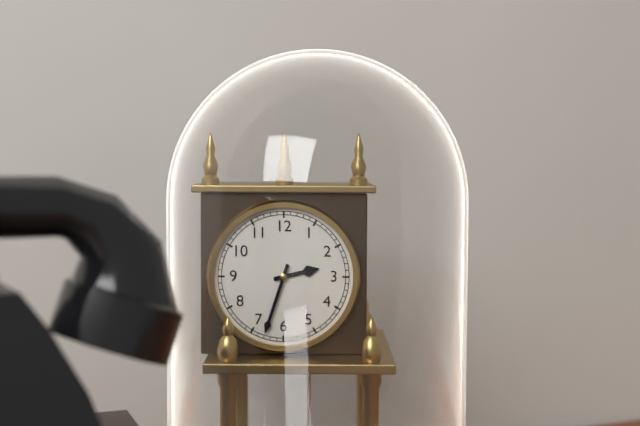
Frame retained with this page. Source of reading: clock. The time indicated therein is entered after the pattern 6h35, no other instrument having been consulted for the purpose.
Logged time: 2h33
